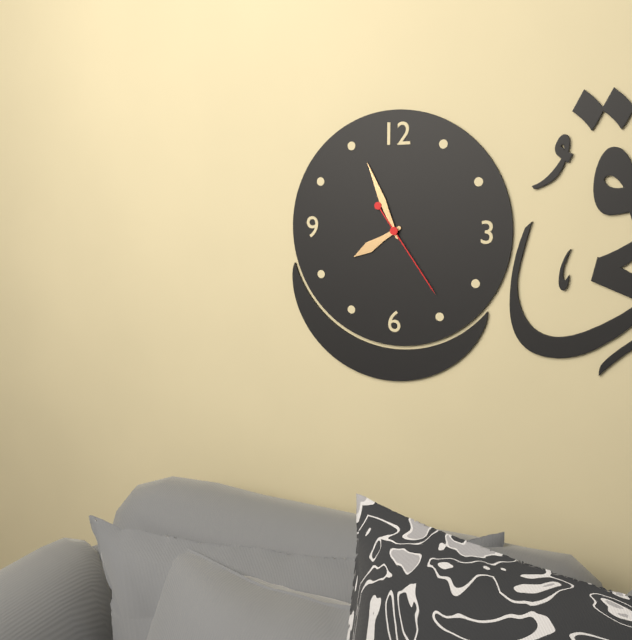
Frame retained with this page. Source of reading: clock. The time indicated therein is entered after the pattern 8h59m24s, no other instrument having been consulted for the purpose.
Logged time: 7h56m24s
